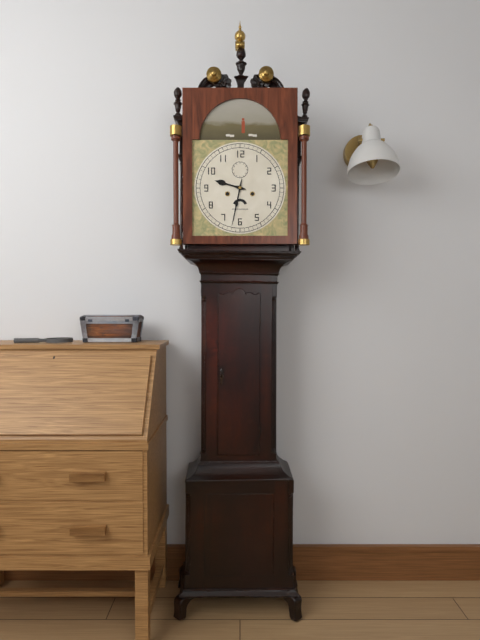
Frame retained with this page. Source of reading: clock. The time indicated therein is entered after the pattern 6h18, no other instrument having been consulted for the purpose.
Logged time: 9h32
